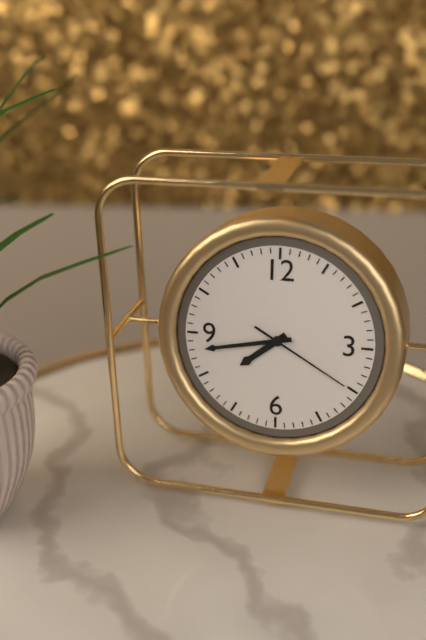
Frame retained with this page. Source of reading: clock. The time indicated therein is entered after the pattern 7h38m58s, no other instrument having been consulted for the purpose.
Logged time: 7h43m20s
